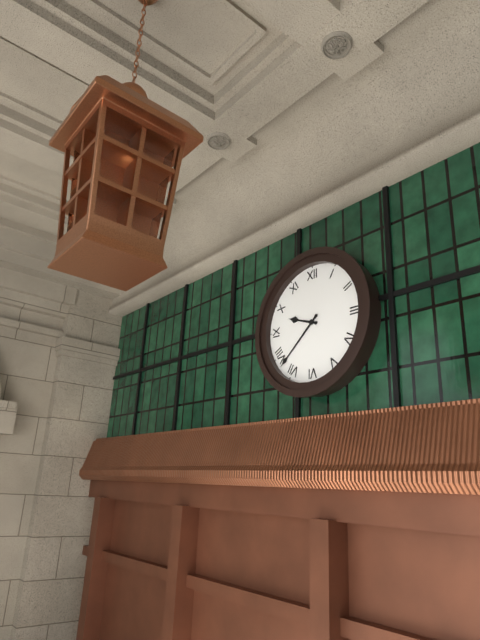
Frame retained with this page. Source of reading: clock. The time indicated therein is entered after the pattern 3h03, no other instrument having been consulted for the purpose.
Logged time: 9h38
